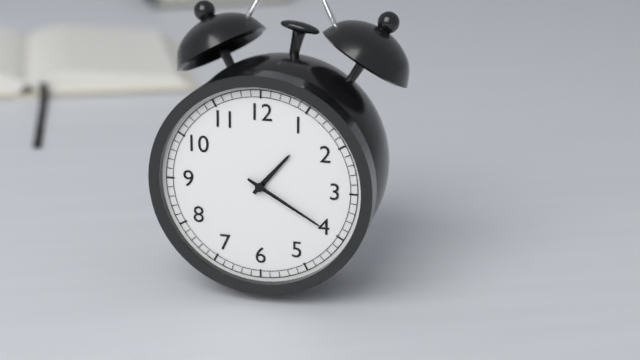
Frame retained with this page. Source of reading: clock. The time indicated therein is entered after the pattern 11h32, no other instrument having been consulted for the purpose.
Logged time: 1h20
